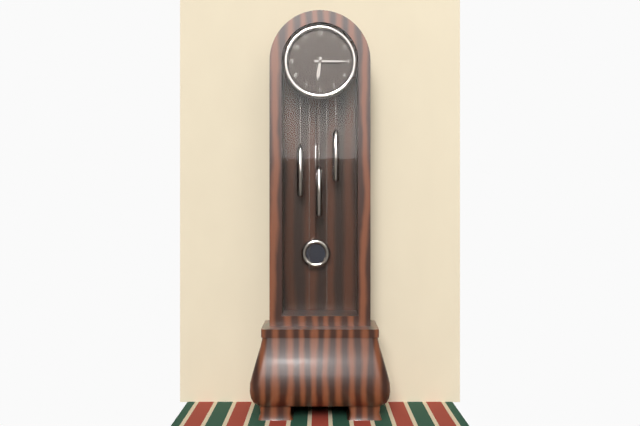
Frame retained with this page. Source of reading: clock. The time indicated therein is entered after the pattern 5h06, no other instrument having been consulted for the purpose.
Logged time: 6h15
